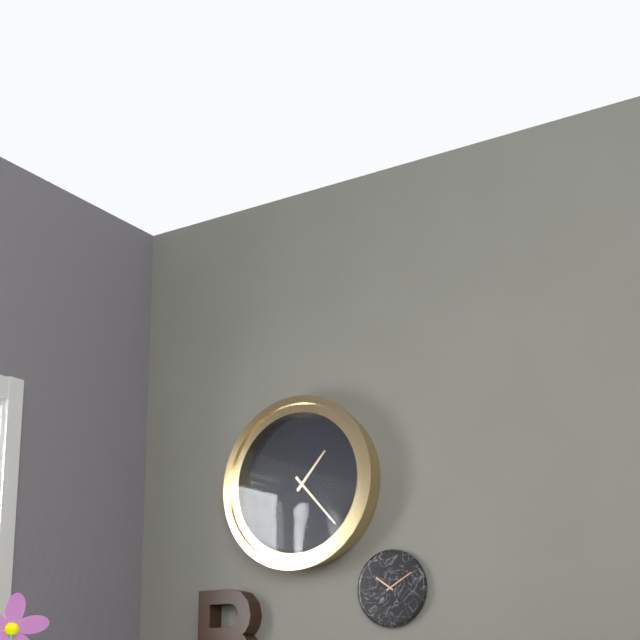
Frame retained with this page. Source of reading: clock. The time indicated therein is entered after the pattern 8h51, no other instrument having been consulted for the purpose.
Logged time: 1h23
